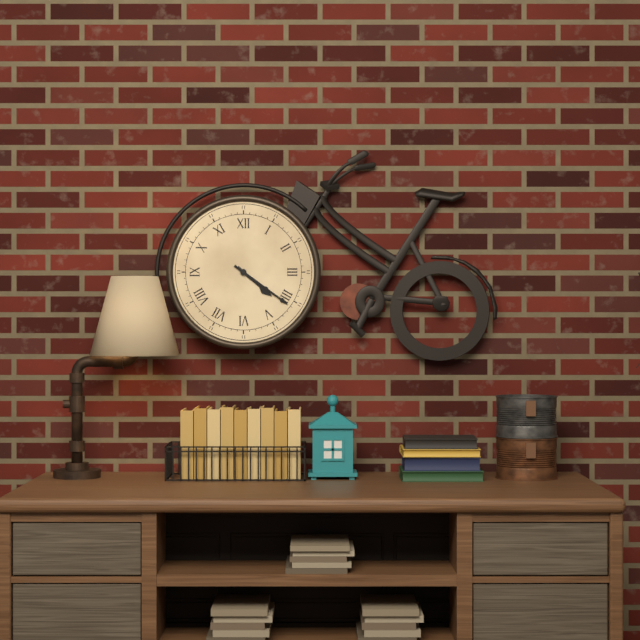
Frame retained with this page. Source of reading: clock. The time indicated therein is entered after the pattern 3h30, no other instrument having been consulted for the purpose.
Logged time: 4h21
